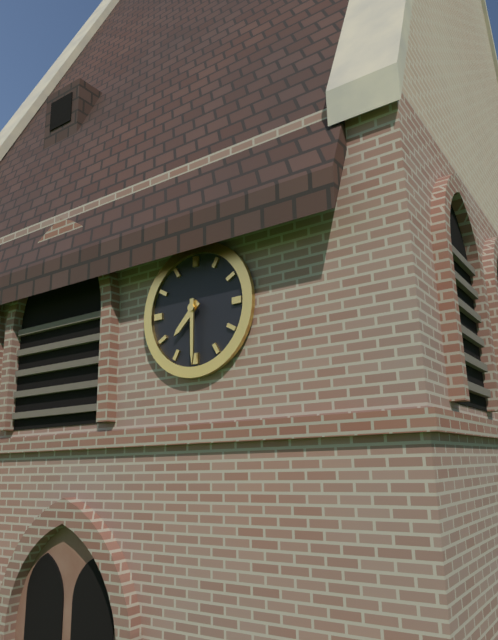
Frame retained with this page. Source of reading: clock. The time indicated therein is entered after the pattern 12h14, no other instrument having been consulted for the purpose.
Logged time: 7h30
